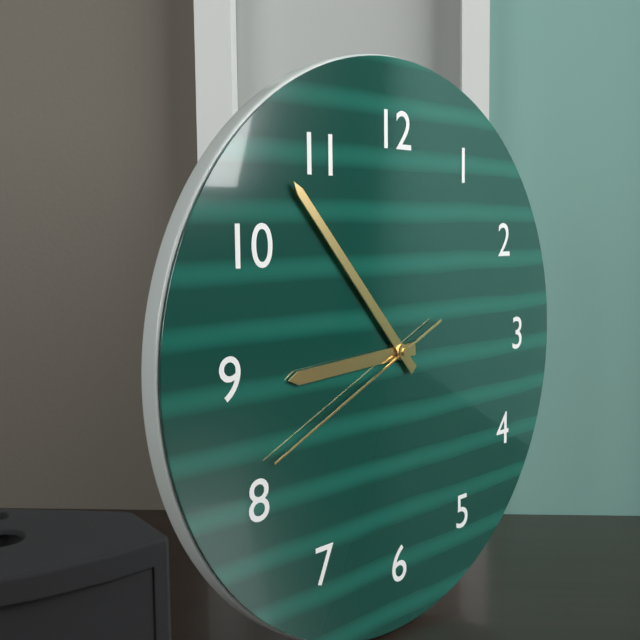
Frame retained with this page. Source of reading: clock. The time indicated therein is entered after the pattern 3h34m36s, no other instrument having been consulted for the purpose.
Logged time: 8h53m41s
